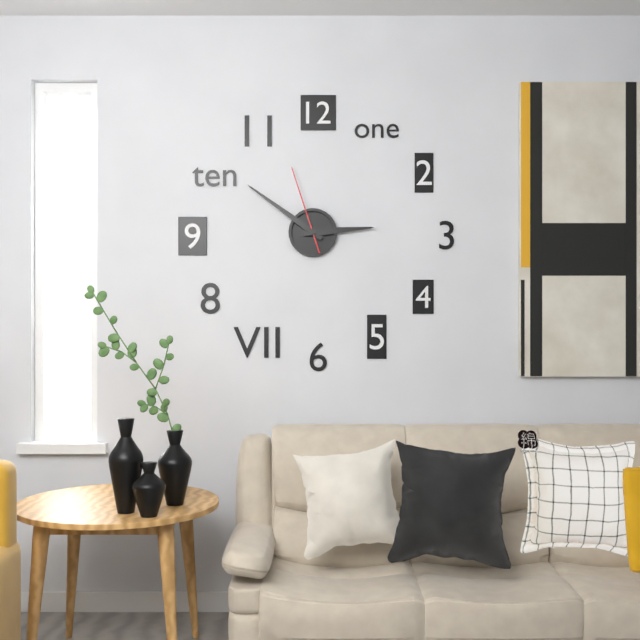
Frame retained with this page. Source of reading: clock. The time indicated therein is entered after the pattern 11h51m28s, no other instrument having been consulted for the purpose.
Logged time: 2h51m57s
